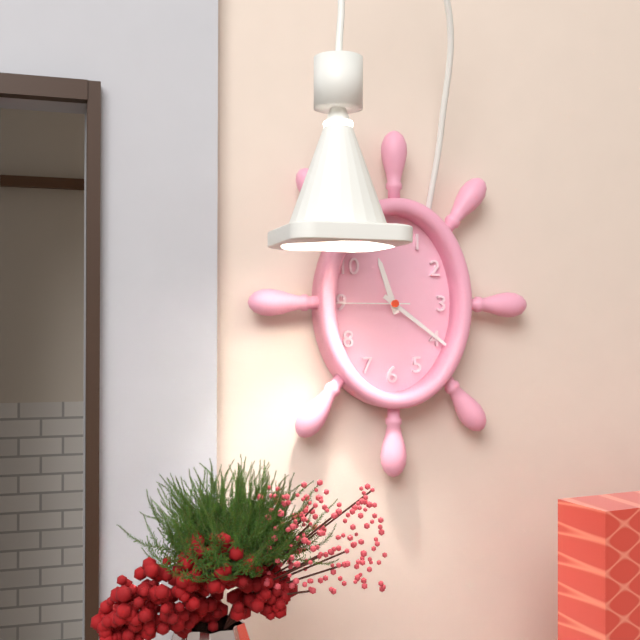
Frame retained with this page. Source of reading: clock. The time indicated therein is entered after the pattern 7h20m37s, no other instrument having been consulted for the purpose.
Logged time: 11h21m45s
